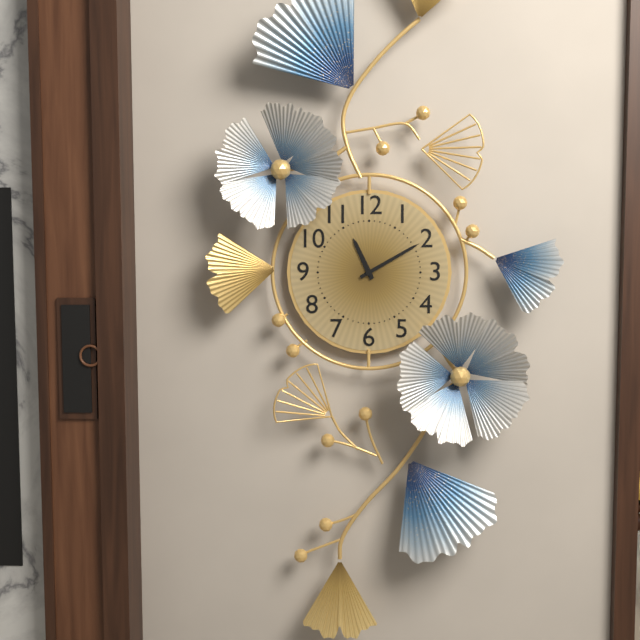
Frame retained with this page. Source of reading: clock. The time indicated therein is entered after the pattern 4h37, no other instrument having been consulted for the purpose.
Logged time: 11h10
